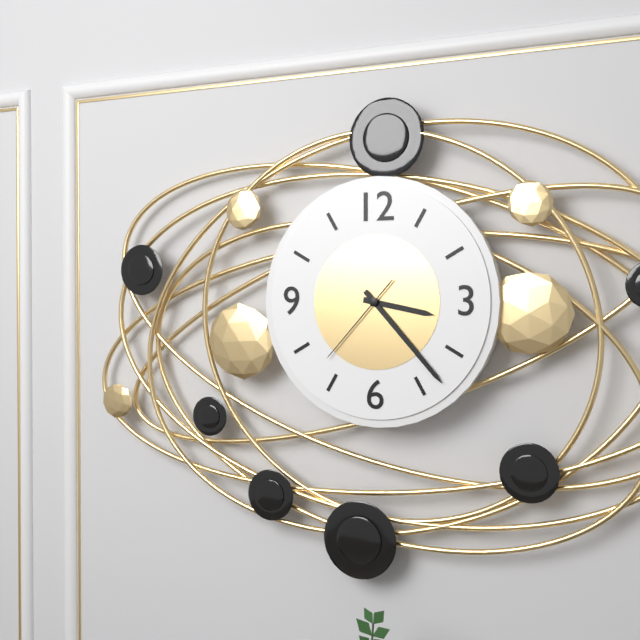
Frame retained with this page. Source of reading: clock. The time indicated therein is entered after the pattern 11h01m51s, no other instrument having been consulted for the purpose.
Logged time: 3h23m37s
